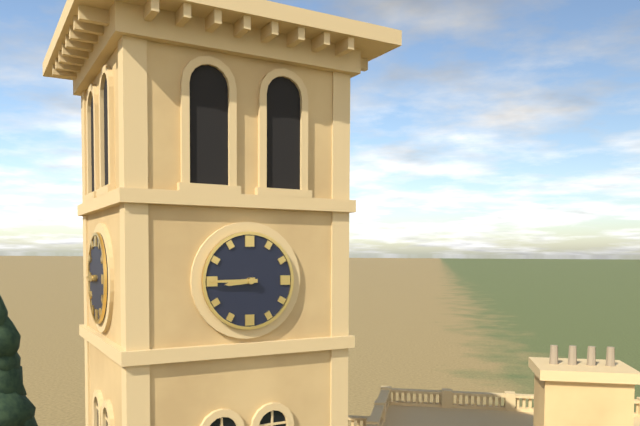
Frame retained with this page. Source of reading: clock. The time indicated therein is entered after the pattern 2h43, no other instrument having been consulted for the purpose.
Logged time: 8h45
